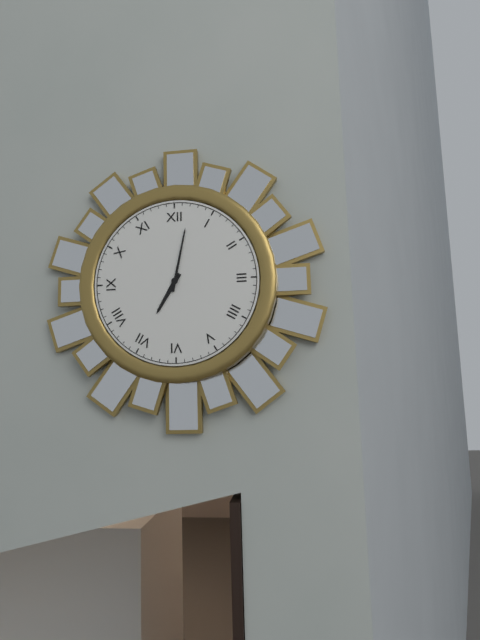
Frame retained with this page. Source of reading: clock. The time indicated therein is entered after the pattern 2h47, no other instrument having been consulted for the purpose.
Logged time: 7h02
